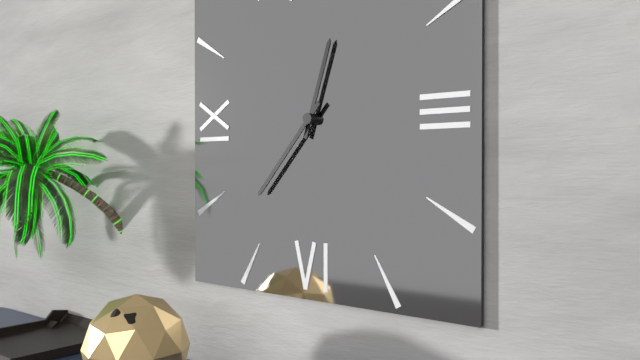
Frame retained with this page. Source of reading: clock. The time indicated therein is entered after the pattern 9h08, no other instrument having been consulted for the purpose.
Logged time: 12h37
